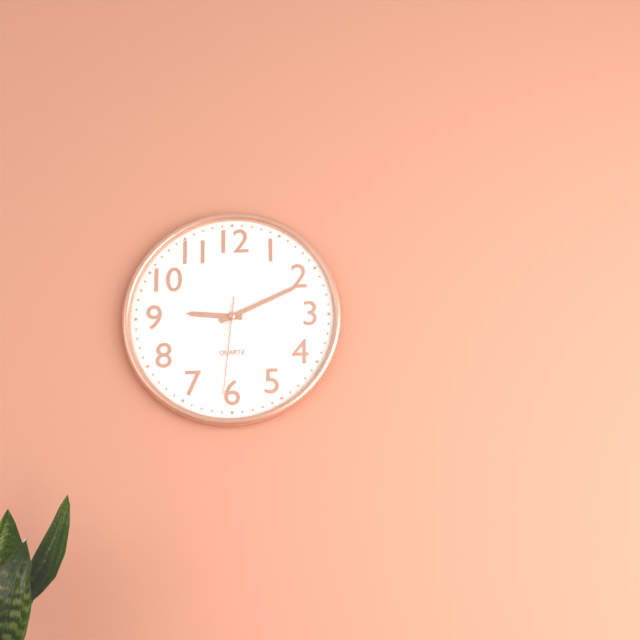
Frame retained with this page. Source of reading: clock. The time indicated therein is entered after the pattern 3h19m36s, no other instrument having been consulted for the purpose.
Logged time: 9h11m31s
